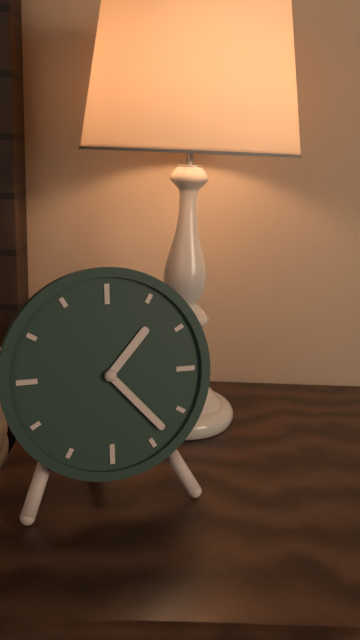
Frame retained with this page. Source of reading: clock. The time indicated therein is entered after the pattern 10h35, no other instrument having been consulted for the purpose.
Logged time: 1h23
